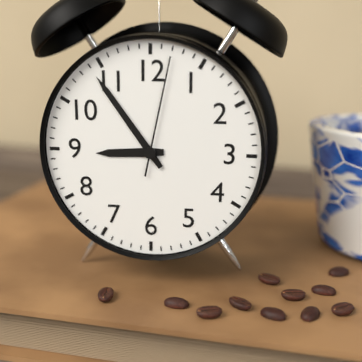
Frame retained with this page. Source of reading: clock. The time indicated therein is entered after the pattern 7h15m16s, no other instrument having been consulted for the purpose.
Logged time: 8h54m02s
